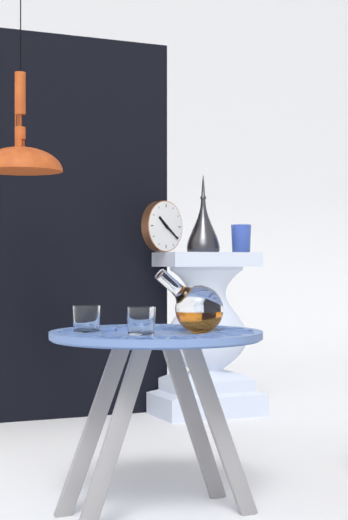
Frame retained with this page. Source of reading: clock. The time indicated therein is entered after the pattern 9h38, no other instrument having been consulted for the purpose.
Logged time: 10h21
